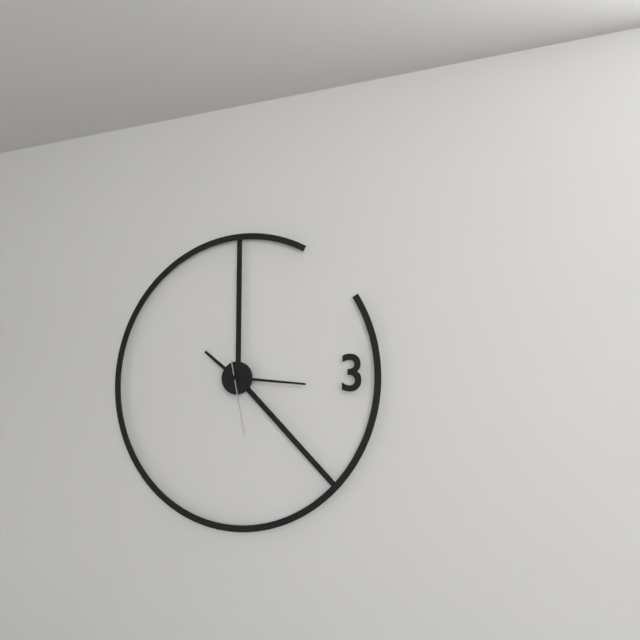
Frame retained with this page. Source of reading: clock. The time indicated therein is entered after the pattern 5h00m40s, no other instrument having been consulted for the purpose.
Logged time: 10h16m28s
